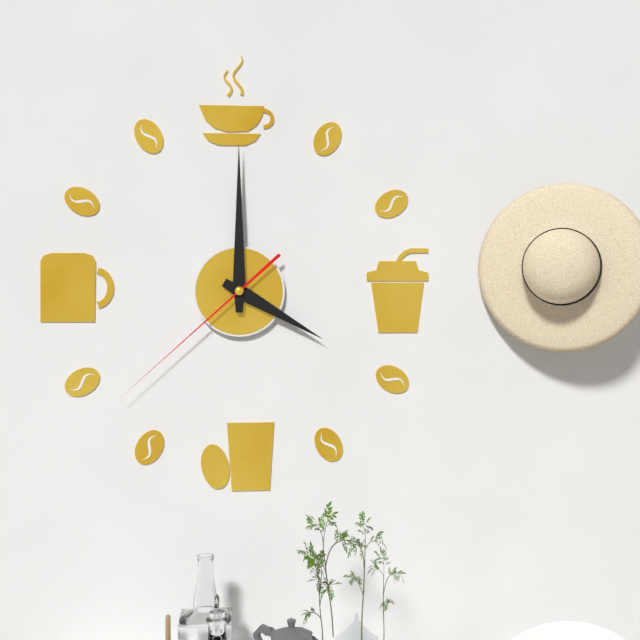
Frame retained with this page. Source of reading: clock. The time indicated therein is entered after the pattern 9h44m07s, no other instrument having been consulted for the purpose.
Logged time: 4h00m38s
